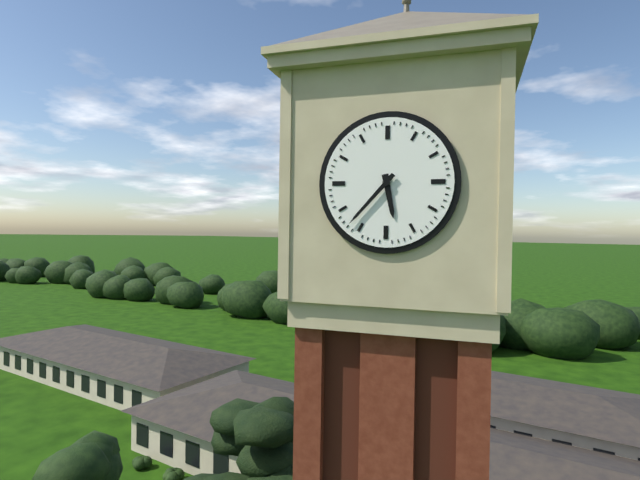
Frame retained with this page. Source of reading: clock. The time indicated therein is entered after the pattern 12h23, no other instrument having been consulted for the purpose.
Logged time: 5h37
